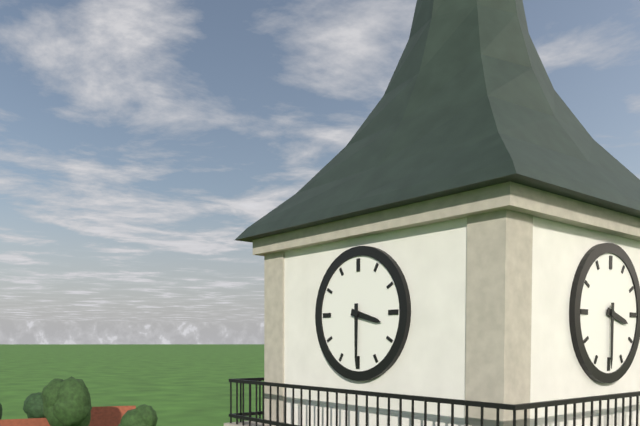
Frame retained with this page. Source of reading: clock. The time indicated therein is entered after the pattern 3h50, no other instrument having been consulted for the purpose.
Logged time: 3h30
